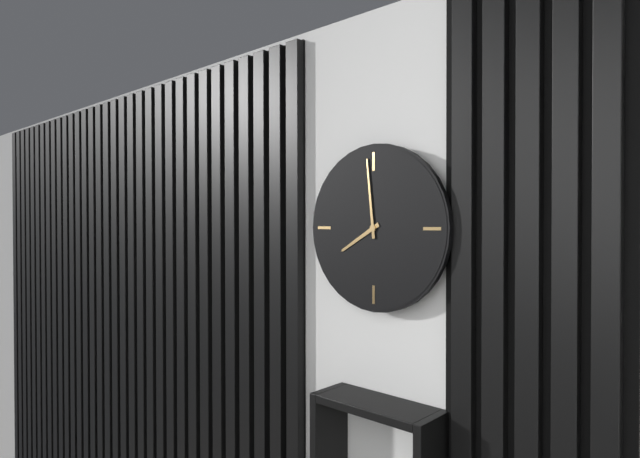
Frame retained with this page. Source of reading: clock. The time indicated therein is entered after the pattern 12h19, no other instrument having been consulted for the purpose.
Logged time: 7h59
